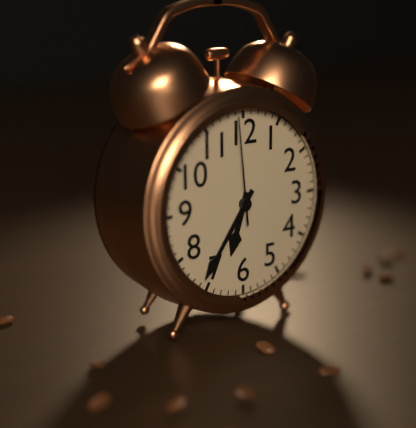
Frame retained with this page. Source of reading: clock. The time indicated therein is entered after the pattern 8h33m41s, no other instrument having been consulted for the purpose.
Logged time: 6h36m59s
